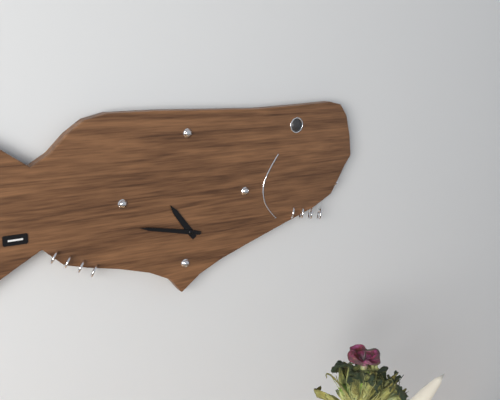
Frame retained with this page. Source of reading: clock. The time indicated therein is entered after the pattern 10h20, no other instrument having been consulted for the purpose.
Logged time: 10h47
